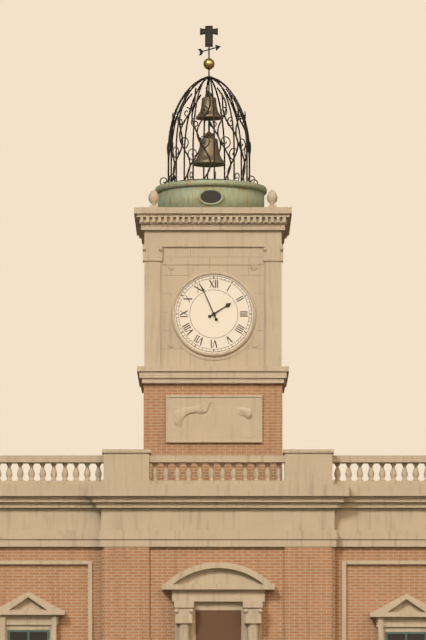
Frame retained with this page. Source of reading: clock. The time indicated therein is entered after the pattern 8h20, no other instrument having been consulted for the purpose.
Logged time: 1h56
